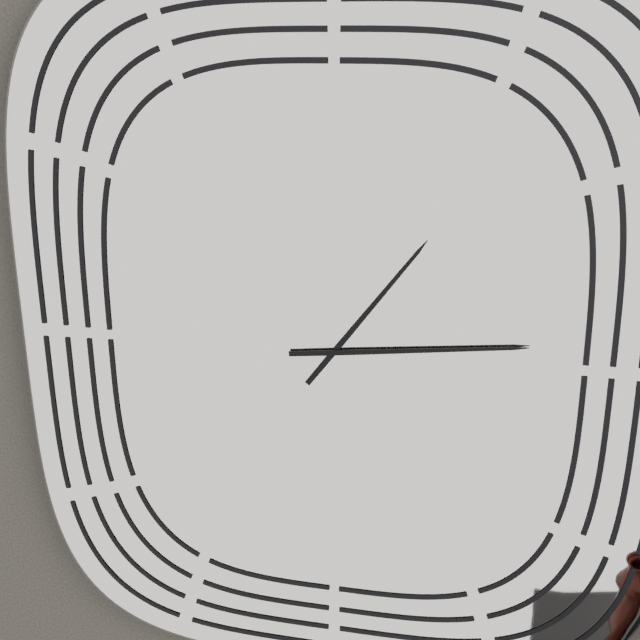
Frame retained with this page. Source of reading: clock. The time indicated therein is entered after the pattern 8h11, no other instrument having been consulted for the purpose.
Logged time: 1h14
